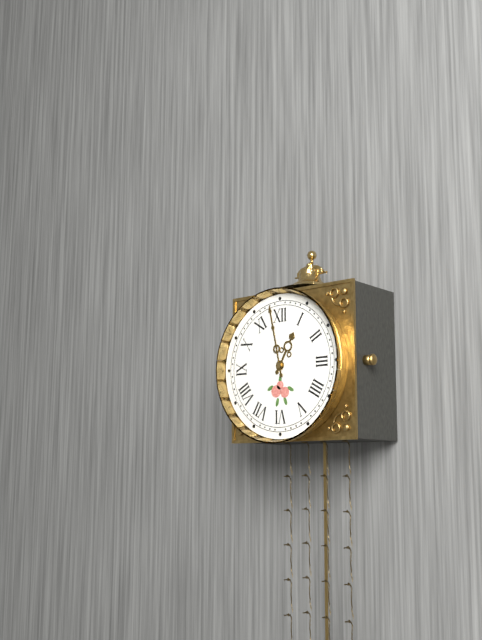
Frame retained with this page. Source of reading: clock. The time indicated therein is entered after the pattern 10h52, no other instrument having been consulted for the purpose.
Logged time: 12h58
